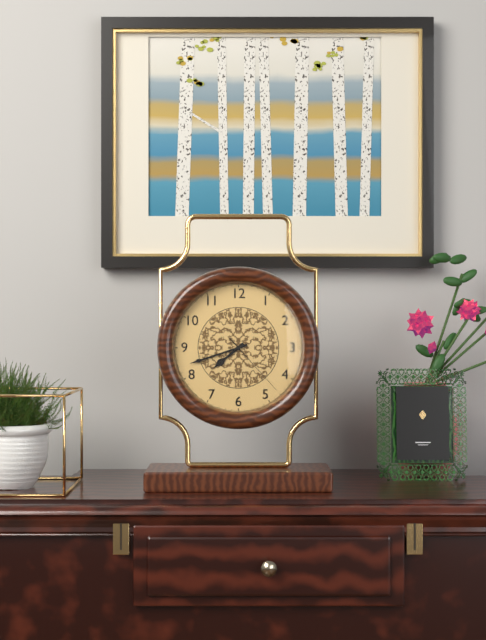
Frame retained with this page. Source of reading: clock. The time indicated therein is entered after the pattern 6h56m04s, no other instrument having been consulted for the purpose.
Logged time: 7h42m23s
